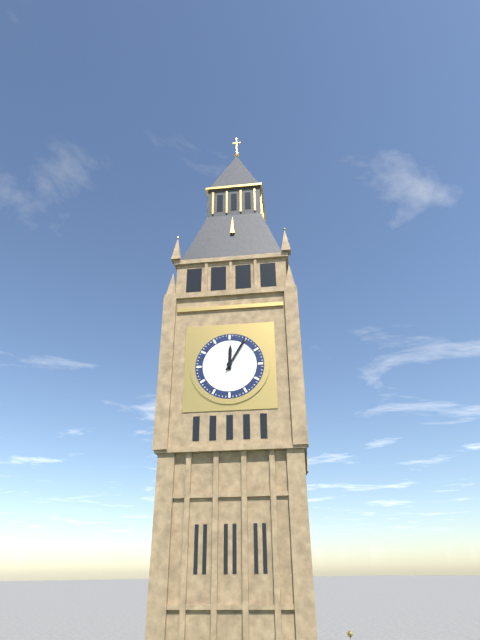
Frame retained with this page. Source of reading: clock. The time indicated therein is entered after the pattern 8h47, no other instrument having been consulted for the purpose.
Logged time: 12h05
